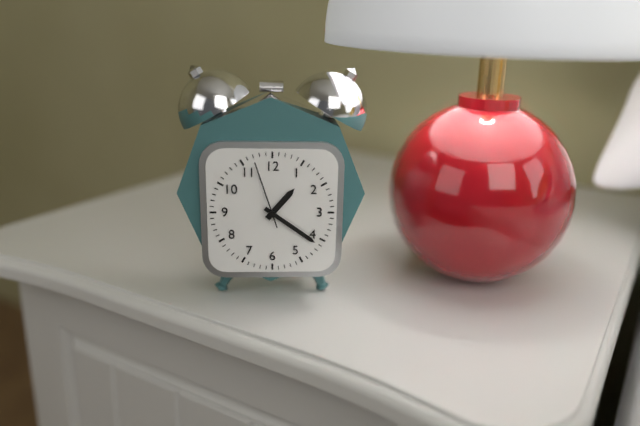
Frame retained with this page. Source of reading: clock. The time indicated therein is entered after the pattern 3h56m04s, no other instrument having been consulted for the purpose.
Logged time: 1h21m57s
